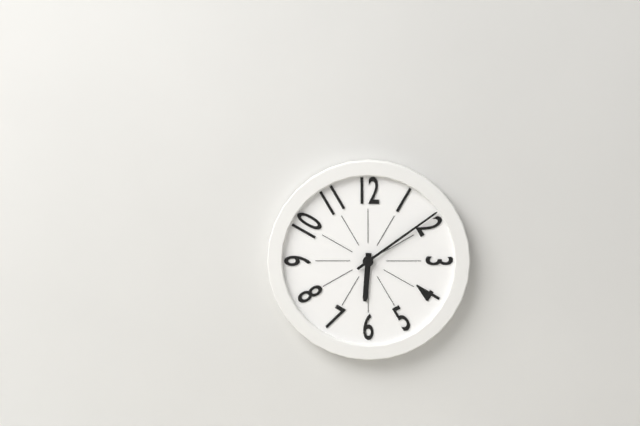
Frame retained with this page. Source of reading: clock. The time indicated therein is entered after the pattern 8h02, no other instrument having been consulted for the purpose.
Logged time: 6h09
